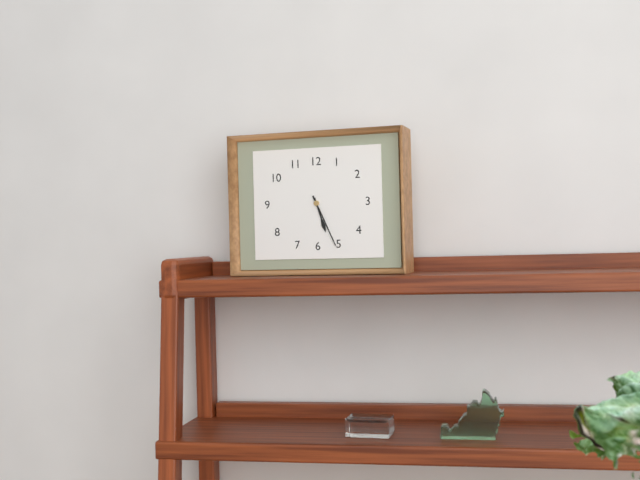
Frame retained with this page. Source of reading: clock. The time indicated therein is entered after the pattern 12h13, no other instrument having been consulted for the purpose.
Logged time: 5h26
